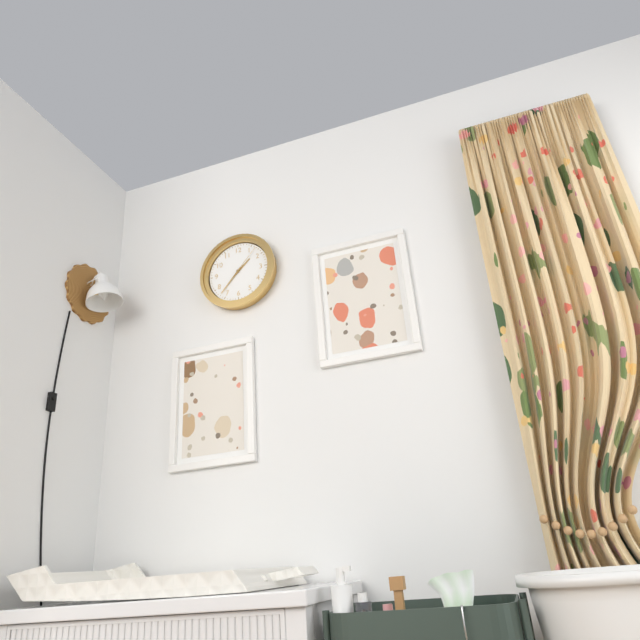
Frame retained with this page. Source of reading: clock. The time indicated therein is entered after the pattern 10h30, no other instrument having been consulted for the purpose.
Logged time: 1h37
